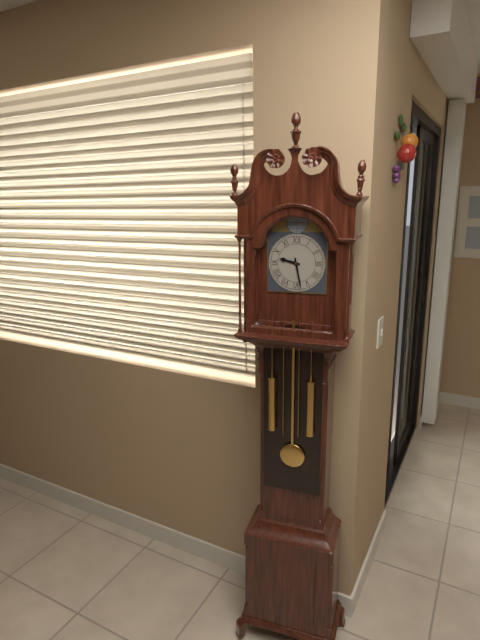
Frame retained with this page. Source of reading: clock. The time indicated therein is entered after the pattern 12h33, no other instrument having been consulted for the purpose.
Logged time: 9h28
